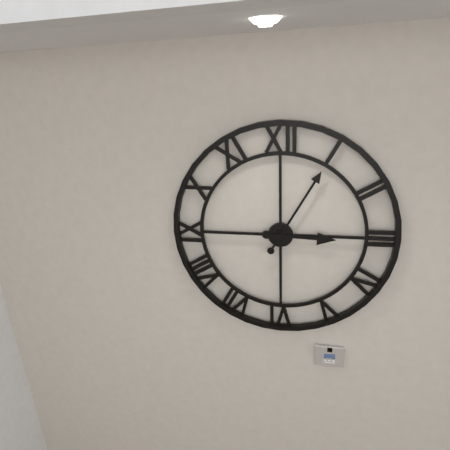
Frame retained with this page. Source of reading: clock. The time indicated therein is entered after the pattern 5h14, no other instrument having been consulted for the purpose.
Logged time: 3h05
